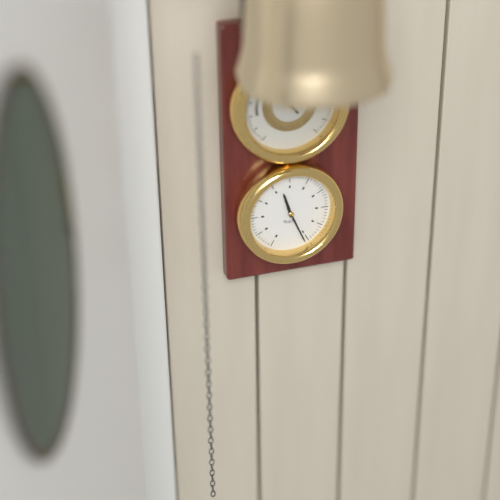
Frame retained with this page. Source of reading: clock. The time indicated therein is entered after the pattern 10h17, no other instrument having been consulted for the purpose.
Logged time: 11h26
